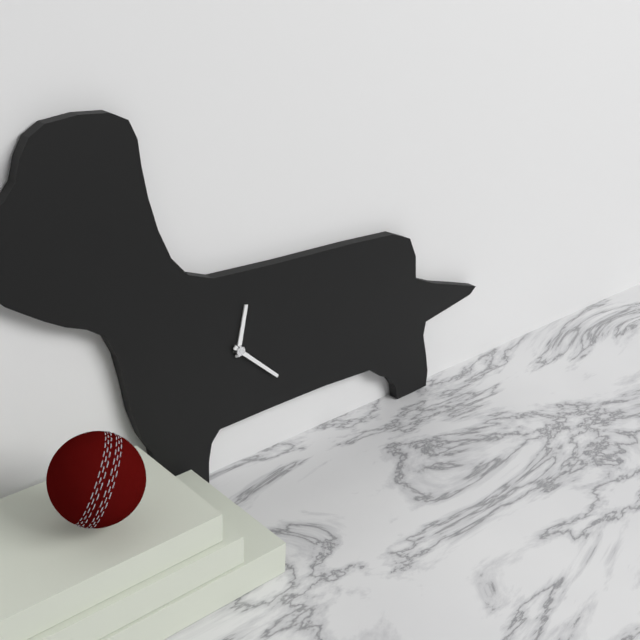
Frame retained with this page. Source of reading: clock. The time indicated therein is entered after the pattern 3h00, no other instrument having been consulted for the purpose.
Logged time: 12h22
